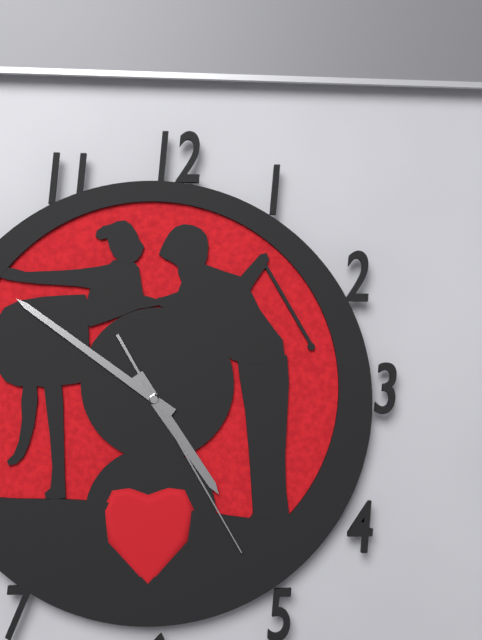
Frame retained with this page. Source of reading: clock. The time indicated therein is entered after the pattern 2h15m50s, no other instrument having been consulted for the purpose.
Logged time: 4h51m25s
